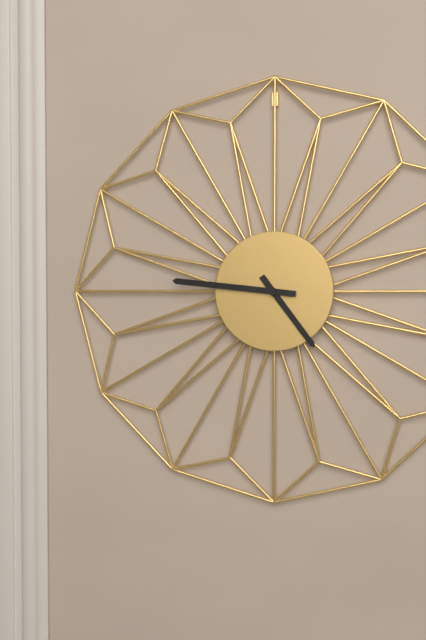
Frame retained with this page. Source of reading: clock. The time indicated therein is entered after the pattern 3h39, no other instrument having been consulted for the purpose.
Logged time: 4h46
